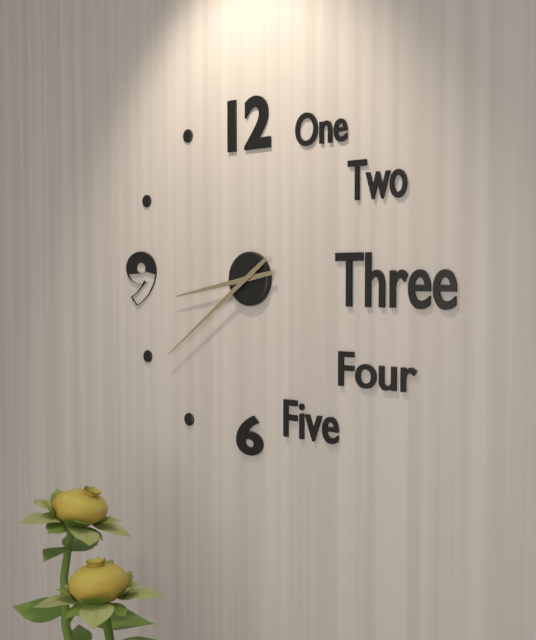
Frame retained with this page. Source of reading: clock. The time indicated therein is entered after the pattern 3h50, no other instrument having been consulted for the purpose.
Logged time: 8h39
